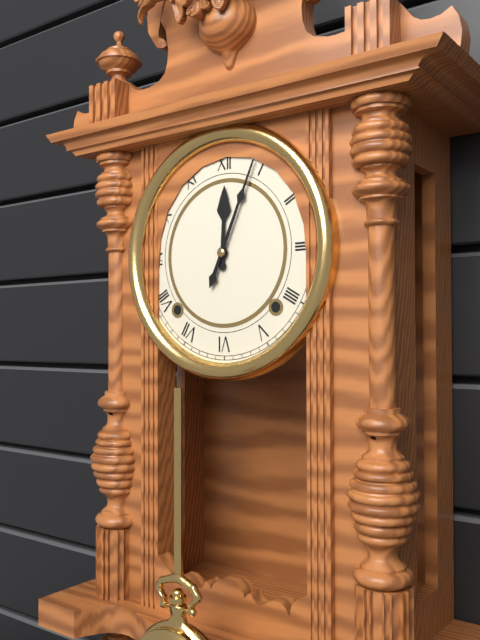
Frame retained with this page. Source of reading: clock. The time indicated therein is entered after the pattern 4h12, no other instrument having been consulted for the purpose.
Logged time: 12h04
